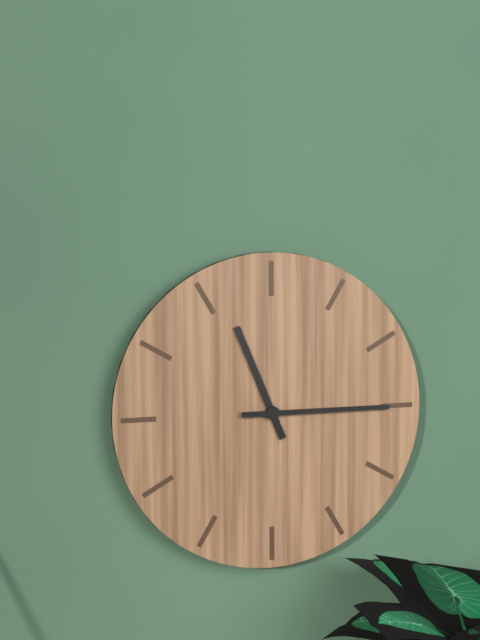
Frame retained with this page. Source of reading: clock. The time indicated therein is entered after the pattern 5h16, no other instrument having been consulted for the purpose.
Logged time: 11h15
